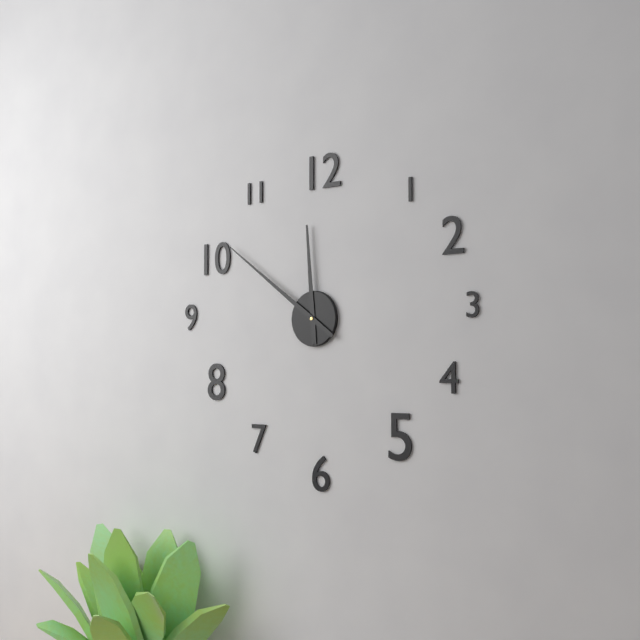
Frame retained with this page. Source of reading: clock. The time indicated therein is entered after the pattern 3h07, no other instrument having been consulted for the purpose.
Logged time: 11h51
